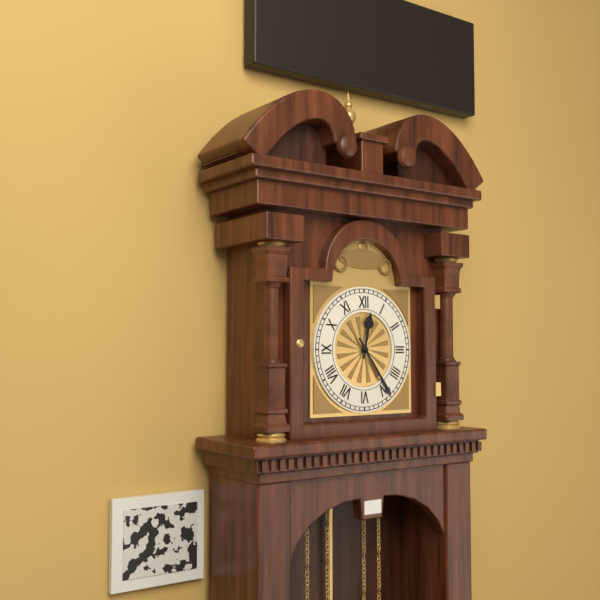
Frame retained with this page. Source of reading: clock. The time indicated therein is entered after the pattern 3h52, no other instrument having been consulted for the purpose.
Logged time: 12h24
